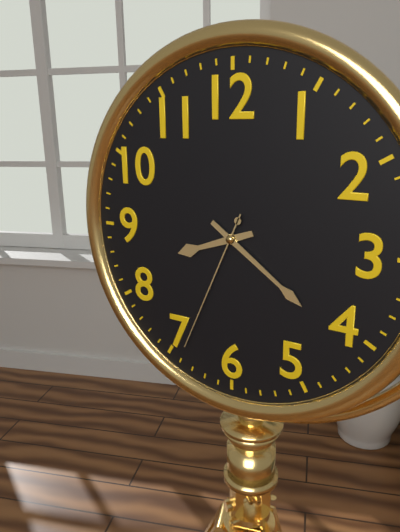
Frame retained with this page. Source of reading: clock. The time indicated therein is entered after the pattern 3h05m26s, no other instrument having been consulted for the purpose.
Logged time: 8h21m34s
